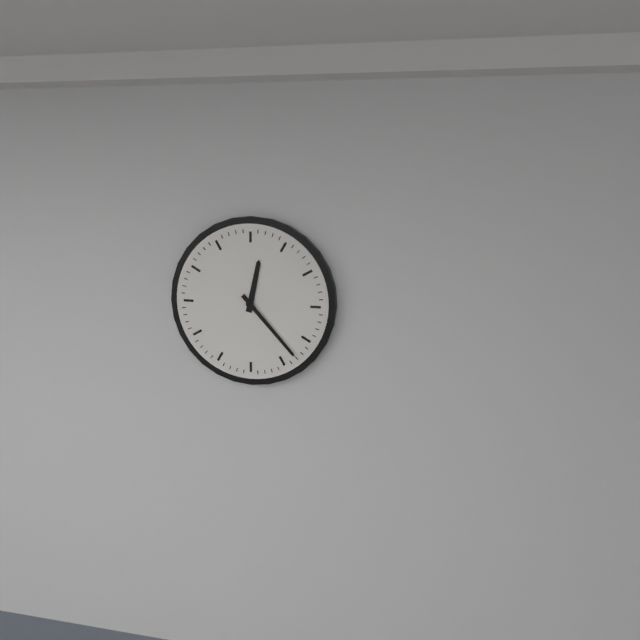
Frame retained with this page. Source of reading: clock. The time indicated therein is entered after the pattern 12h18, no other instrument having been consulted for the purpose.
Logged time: 12h23
